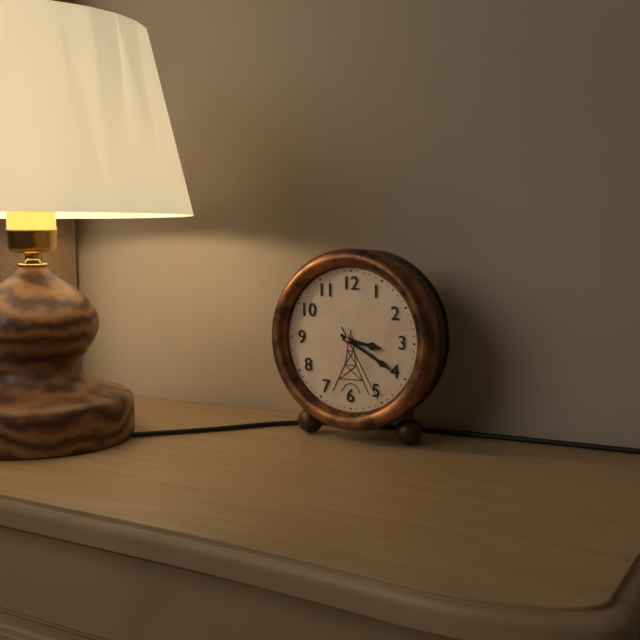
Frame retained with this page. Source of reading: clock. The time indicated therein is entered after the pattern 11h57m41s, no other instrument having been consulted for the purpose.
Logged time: 3h20m25s
